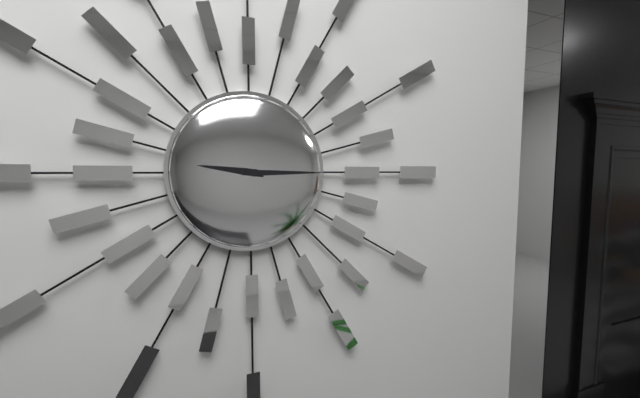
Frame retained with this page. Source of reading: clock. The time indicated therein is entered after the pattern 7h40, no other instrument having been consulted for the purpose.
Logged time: 9h15
